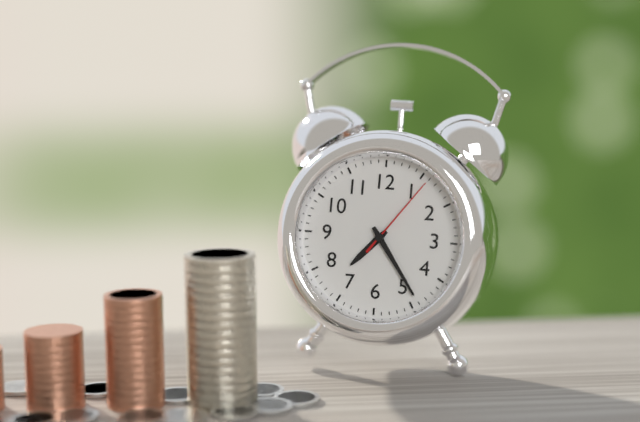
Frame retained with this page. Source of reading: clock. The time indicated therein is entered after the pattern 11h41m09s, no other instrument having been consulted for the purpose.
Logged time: 7h24m06s
